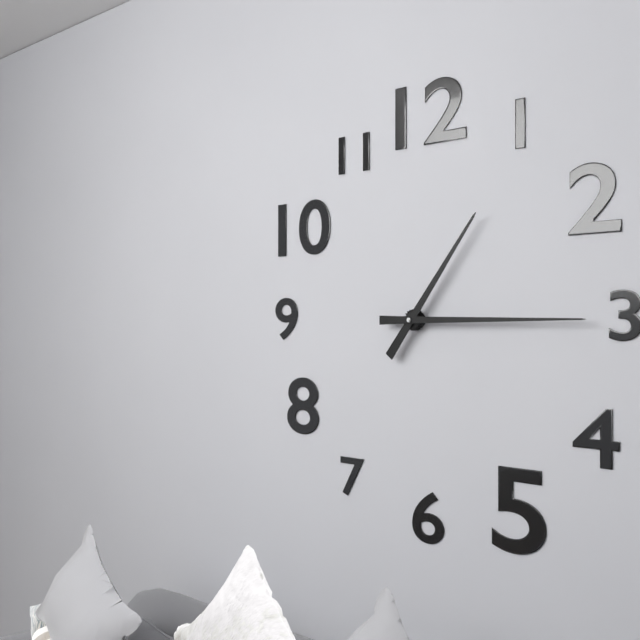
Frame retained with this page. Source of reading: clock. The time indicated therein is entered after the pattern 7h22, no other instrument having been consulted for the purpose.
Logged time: 1h15
